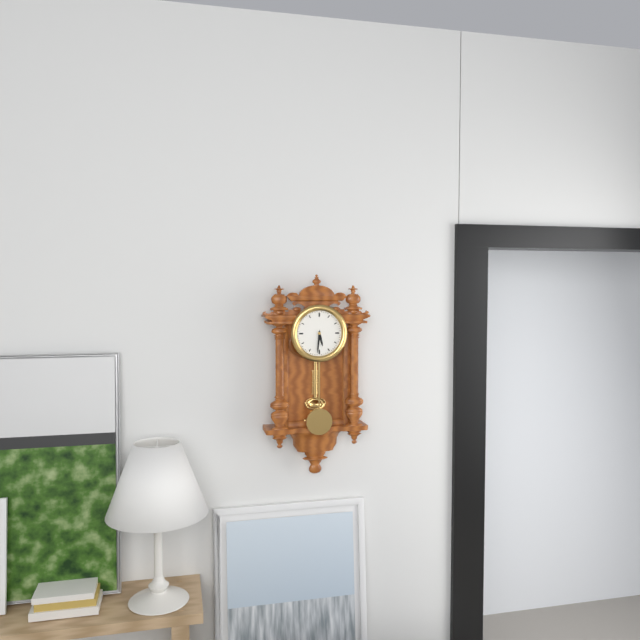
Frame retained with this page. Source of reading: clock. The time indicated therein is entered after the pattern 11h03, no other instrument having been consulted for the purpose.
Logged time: 5h31
